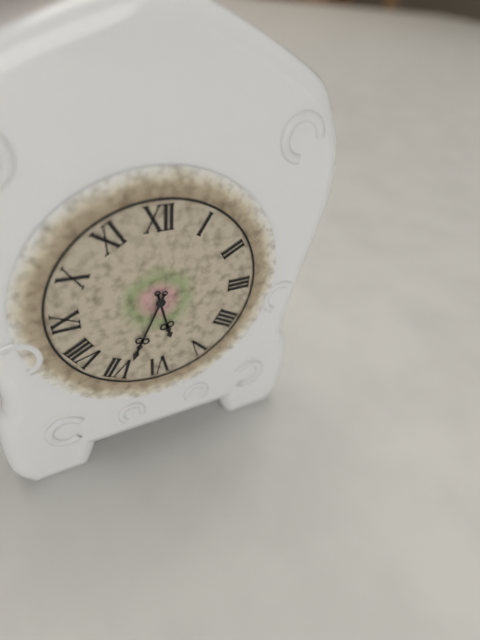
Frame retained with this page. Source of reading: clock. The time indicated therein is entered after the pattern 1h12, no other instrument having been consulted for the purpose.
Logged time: 5h34
